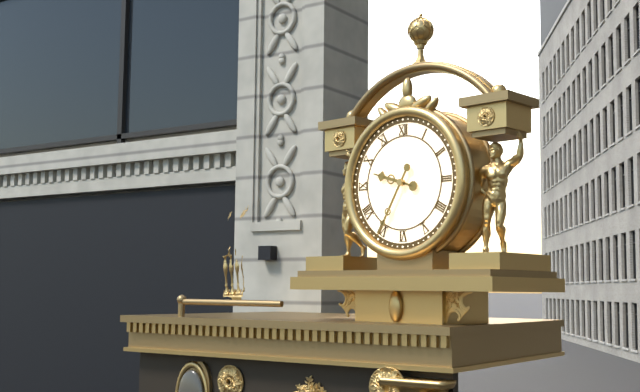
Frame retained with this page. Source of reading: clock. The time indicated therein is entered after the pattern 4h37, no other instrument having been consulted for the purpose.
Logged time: 9h35
